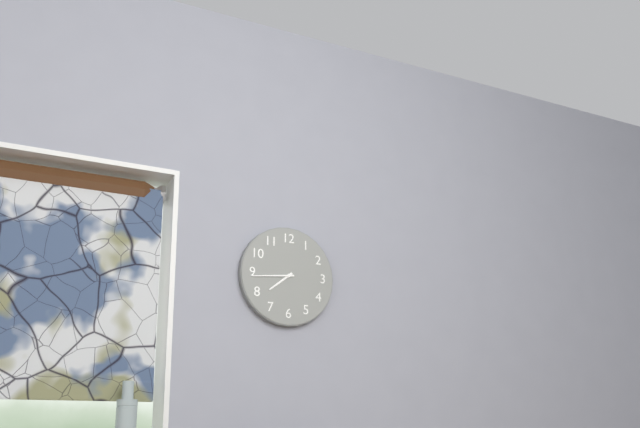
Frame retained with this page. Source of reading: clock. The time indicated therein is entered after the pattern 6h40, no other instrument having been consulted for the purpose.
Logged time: 7h44
